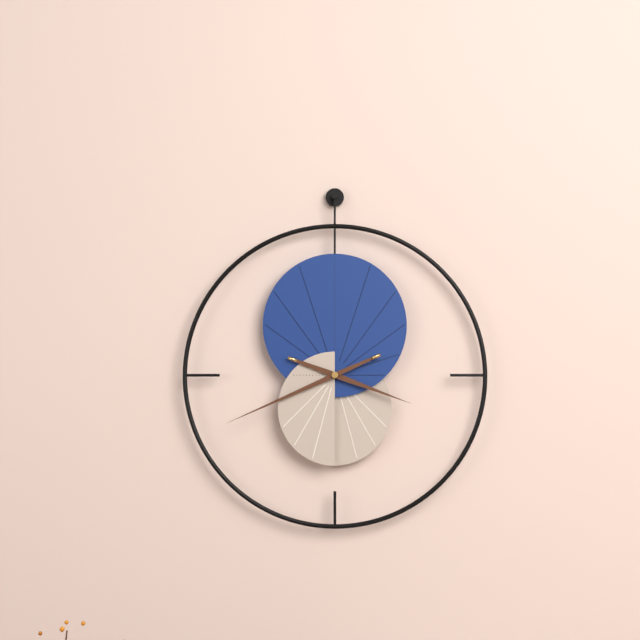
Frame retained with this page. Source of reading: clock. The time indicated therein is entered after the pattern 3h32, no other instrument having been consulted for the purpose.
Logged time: 3h41
